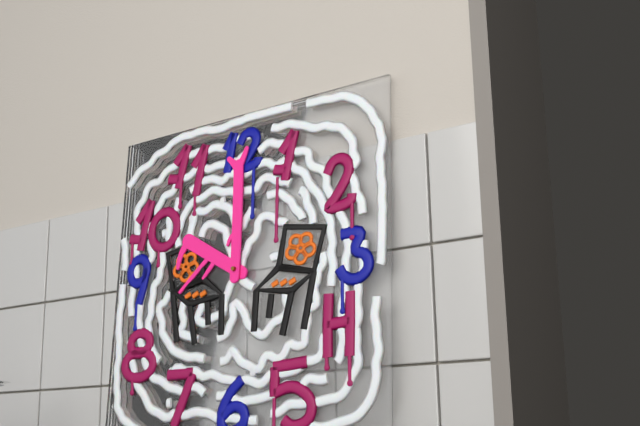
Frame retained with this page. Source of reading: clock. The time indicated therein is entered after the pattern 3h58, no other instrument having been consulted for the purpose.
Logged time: 10h00
